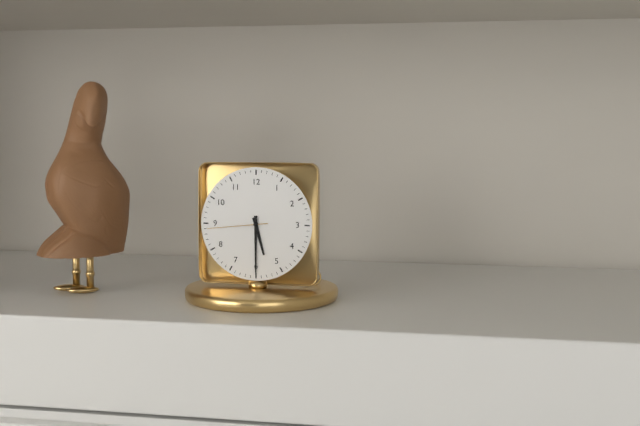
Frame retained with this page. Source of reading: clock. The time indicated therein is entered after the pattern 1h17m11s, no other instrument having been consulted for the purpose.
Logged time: 5h30m44s
